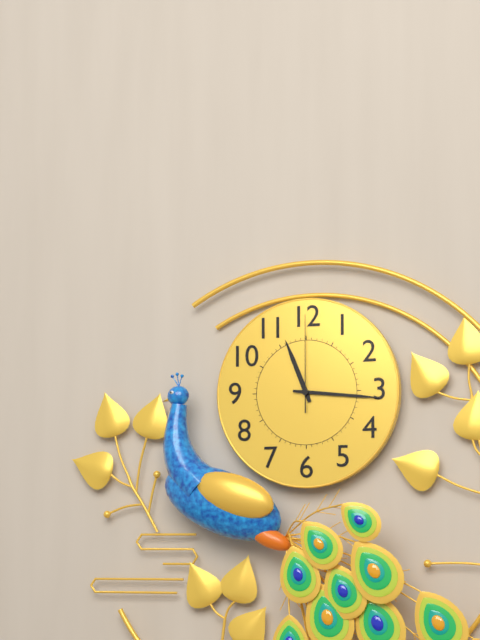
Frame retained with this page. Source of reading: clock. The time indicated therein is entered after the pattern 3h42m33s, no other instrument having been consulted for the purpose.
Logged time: 11h16m00s
